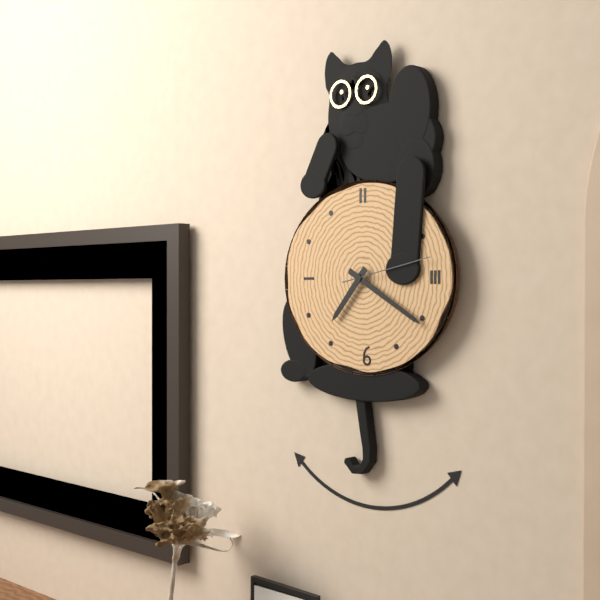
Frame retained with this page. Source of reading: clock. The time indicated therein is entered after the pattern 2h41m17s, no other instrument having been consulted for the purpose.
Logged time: 7h20m13s
